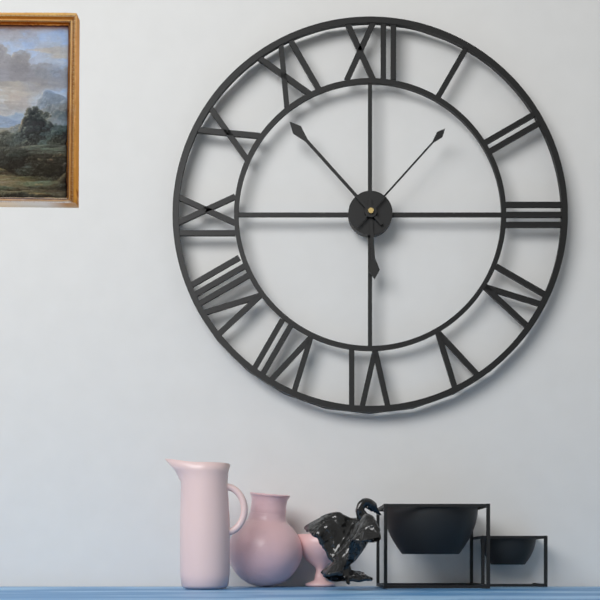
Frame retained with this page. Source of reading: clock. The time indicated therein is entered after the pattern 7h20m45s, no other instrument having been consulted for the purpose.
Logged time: 5h53m07s
